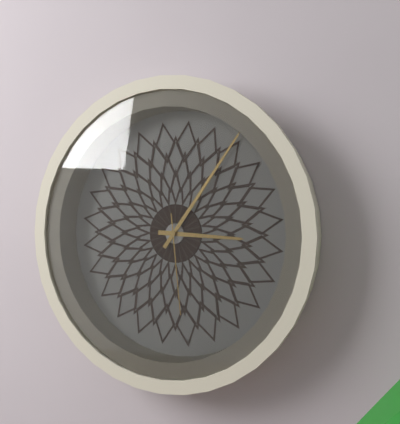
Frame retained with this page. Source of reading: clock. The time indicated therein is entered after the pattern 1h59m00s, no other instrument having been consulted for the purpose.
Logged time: 3h06m29s
